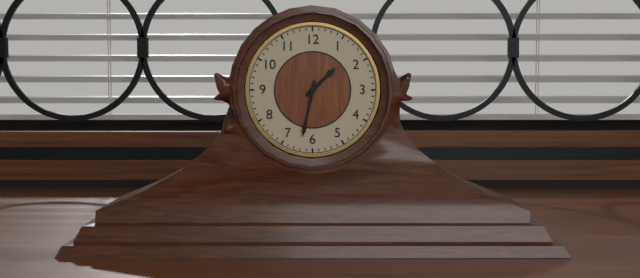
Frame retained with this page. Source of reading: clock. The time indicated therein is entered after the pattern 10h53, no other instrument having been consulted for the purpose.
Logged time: 1h32
